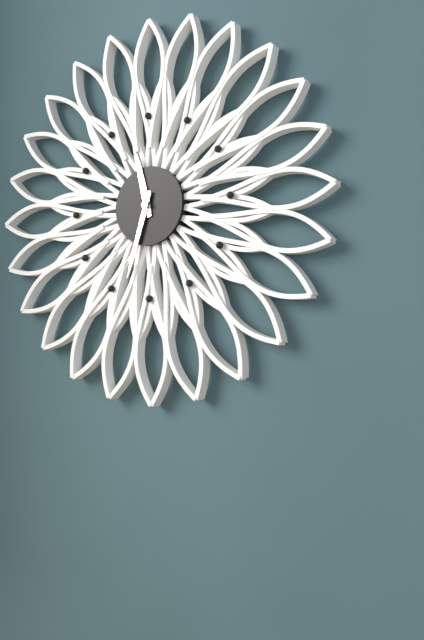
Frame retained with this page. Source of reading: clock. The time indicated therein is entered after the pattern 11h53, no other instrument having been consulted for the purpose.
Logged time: 11h33
